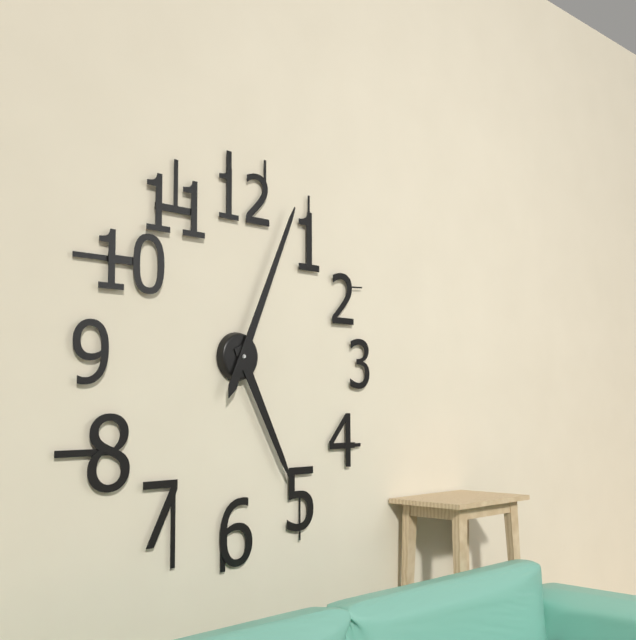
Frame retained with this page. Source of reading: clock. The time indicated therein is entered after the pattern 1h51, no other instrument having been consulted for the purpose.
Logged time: 5h04
